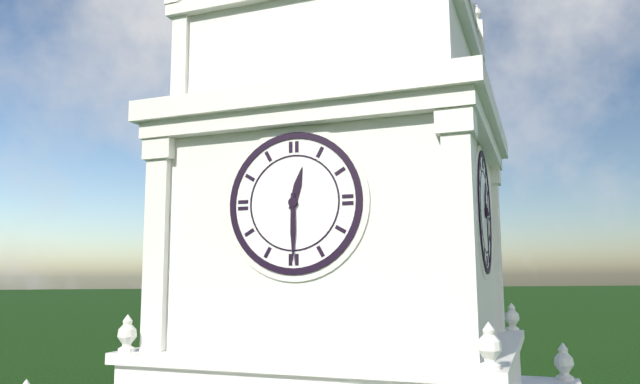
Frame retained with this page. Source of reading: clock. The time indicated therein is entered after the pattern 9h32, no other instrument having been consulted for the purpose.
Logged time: 12h30
